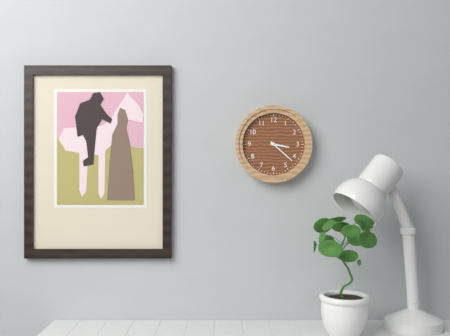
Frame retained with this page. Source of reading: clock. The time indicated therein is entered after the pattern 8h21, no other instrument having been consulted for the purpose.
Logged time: 3h22
